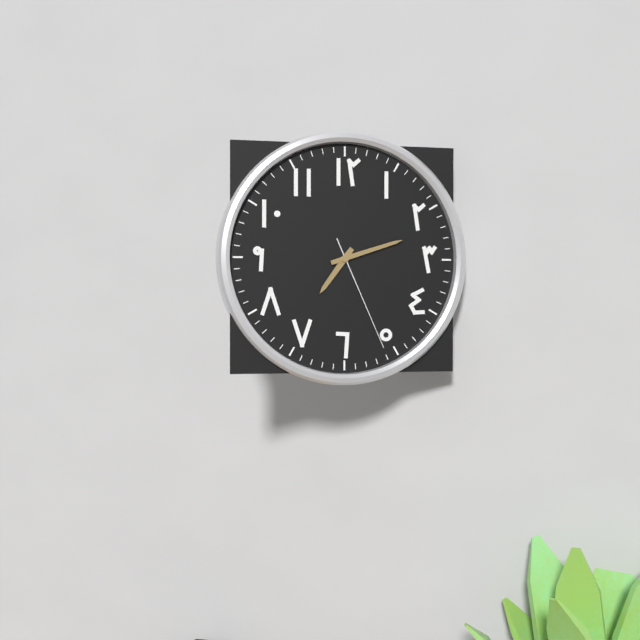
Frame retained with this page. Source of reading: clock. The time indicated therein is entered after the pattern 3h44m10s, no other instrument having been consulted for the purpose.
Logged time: 7h12m26s
